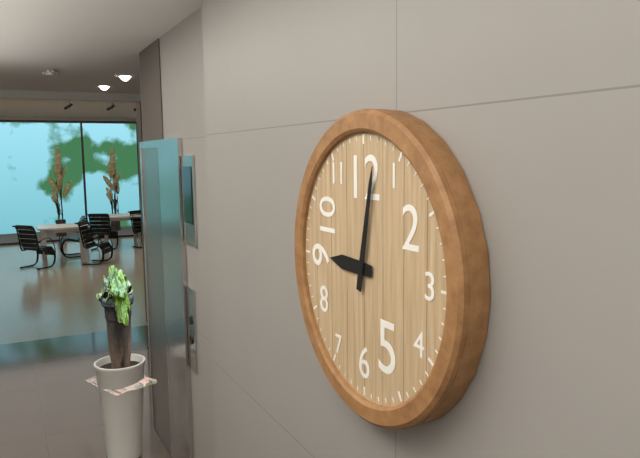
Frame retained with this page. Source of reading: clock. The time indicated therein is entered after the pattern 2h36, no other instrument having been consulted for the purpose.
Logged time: 9h02
